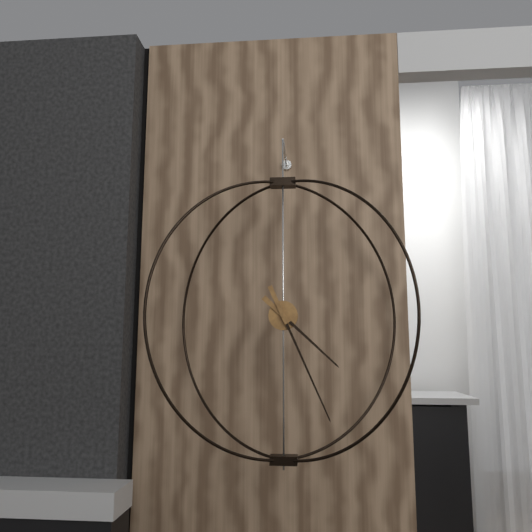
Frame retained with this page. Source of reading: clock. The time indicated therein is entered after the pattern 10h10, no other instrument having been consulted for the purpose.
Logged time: 4h26
